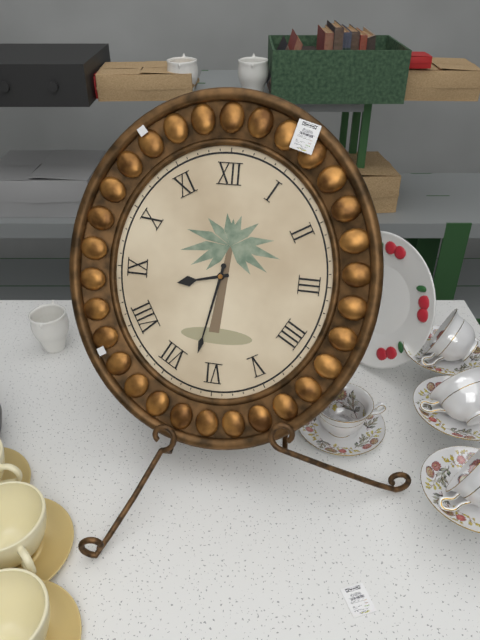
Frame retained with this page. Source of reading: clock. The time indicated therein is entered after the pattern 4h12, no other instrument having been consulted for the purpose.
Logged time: 8h32
